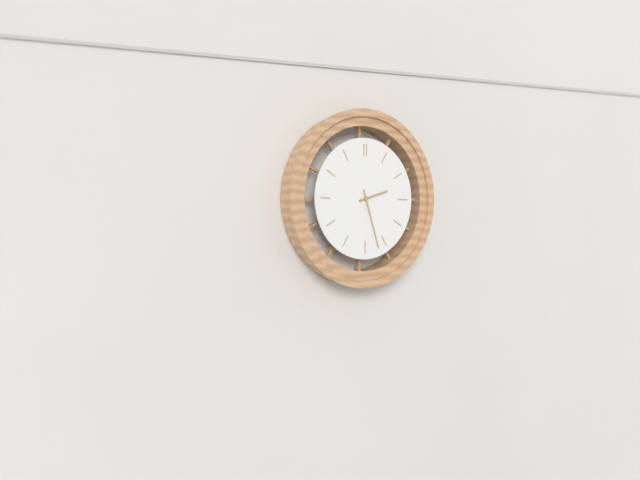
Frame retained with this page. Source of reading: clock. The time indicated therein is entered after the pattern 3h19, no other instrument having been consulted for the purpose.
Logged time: 2h27
